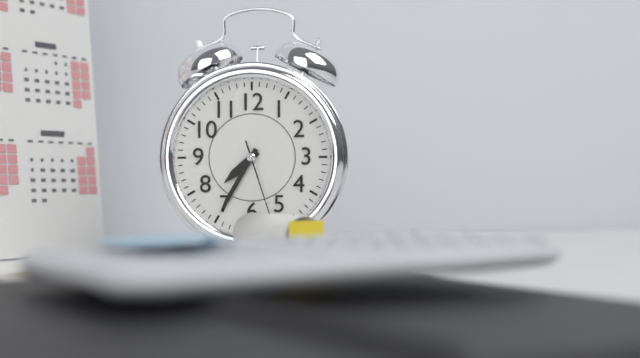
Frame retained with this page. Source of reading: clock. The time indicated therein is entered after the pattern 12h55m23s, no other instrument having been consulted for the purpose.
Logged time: 7h35m27s
